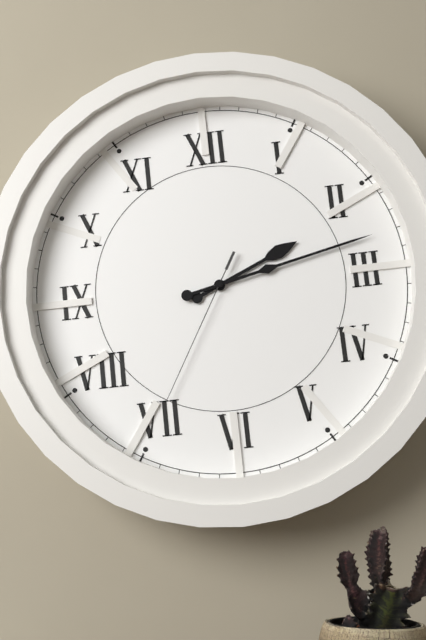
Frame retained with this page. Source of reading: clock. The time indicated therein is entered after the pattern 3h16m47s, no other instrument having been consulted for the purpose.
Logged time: 2h13m35s
